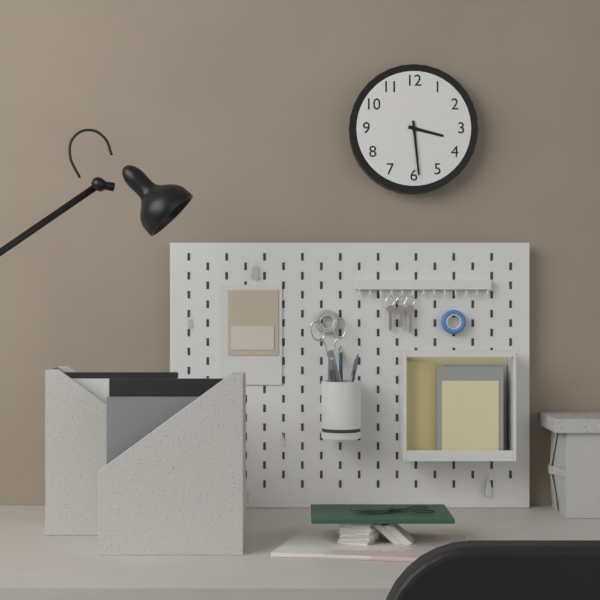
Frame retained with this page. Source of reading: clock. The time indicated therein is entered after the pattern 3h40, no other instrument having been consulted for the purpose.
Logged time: 3h29
